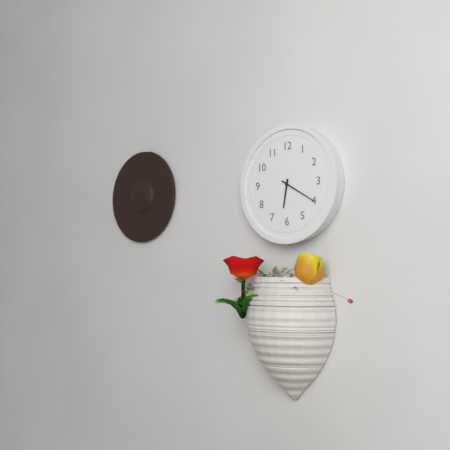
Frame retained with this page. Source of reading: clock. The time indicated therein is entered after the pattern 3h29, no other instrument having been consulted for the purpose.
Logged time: 6h20
